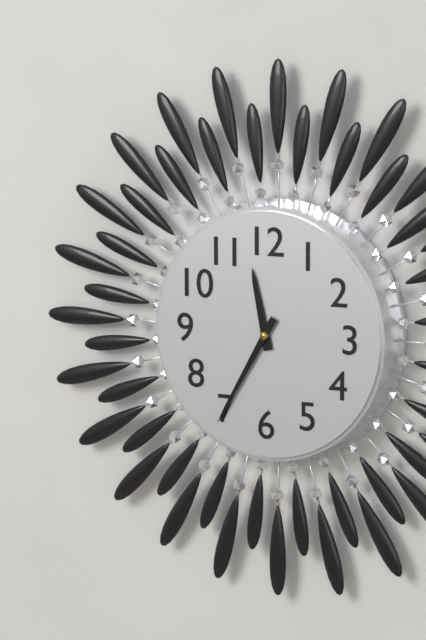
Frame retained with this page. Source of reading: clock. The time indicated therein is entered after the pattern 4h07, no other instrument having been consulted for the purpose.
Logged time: 11h35
